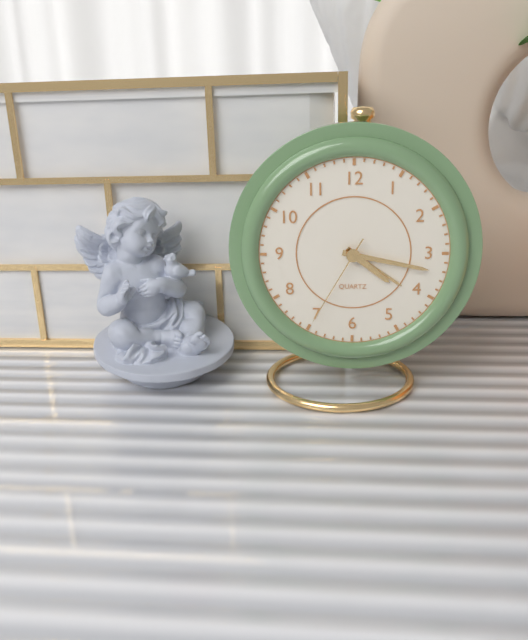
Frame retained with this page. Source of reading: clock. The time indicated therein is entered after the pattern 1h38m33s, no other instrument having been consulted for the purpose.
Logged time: 4h17m35s
